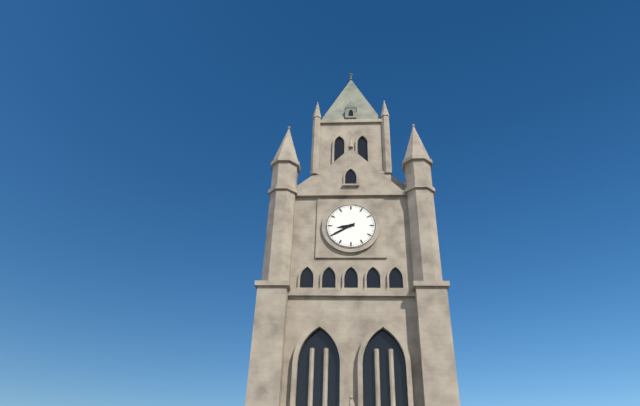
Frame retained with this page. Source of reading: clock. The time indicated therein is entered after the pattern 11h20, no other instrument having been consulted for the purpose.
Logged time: 8h40
